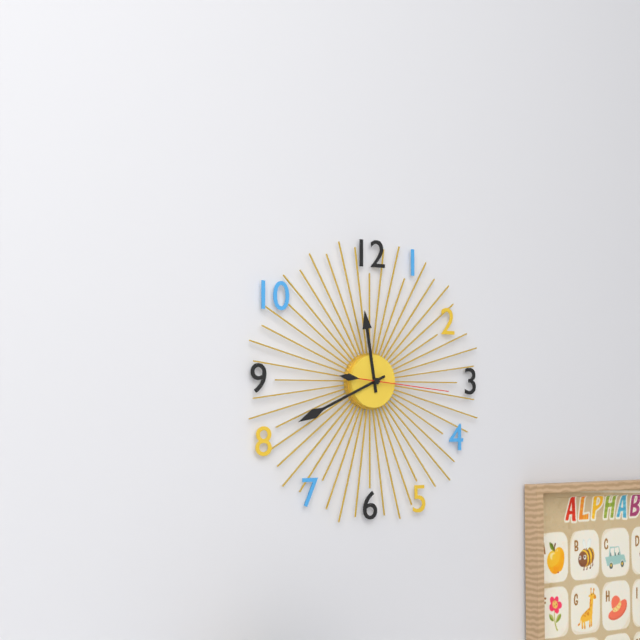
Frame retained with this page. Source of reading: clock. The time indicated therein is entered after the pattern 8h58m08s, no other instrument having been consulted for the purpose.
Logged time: 11h41m16s
